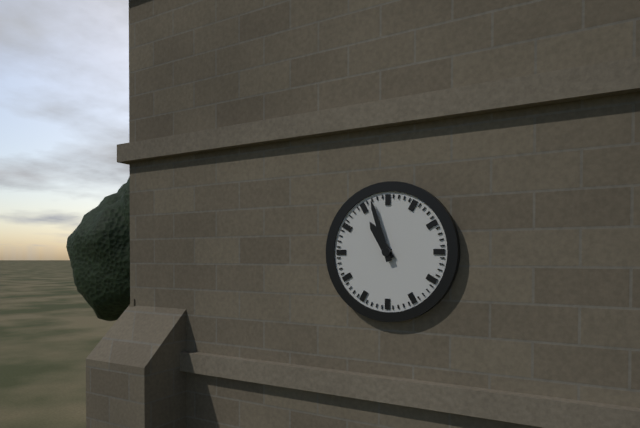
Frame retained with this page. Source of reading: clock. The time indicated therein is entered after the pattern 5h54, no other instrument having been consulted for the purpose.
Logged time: 10h57
